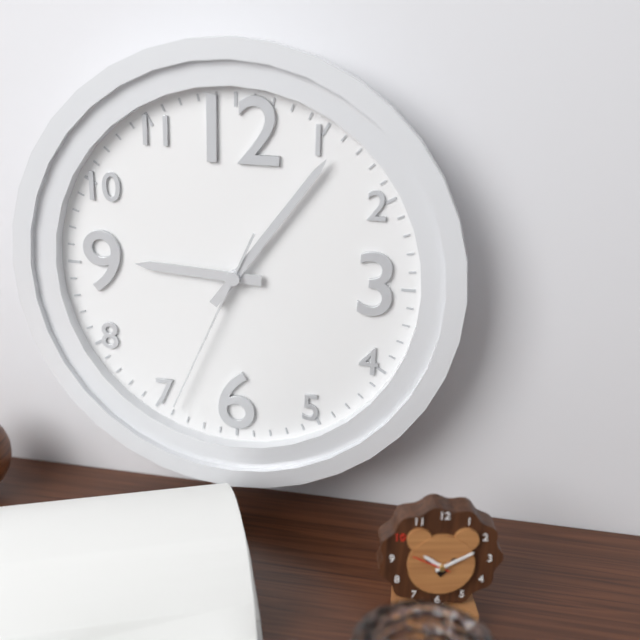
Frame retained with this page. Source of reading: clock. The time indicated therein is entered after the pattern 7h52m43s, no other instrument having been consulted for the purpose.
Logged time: 9h06m34s
